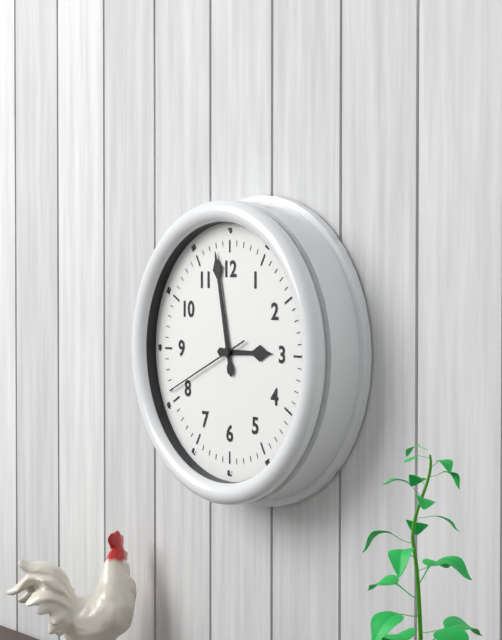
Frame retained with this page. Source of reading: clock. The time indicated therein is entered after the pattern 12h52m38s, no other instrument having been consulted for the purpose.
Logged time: 2h58m41s
